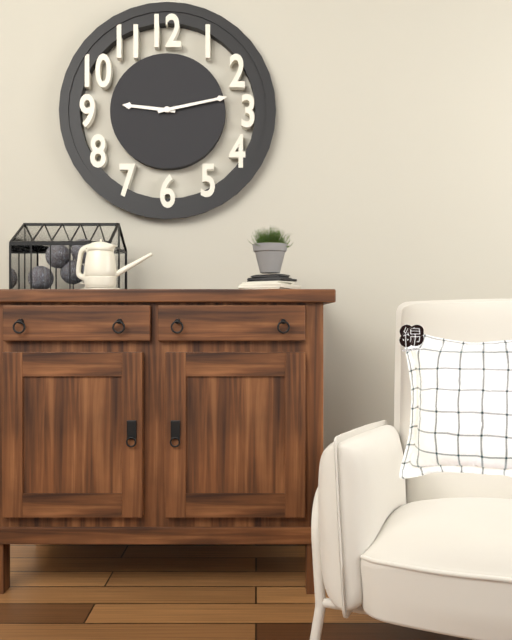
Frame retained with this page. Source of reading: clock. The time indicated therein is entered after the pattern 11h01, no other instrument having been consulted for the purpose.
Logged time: 9h13
